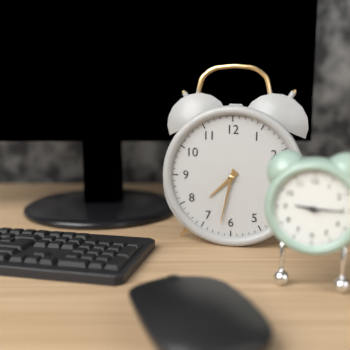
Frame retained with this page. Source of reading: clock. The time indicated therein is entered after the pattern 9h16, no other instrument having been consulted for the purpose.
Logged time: 7h32
